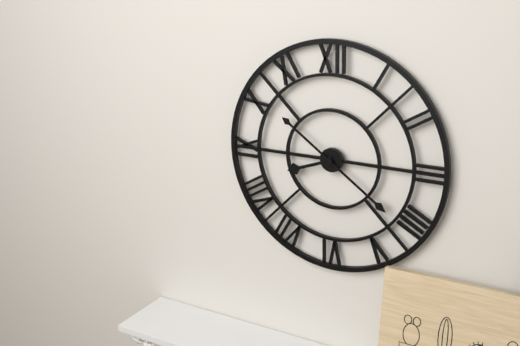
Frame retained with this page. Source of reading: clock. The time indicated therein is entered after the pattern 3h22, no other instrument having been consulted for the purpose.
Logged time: 8h21
